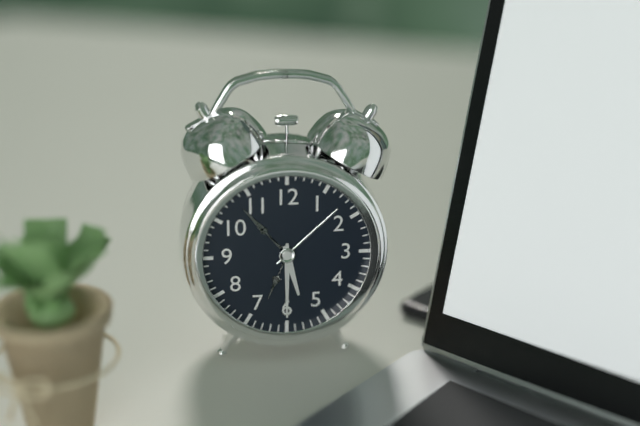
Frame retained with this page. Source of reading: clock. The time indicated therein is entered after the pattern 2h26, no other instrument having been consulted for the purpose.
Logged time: 5h30
